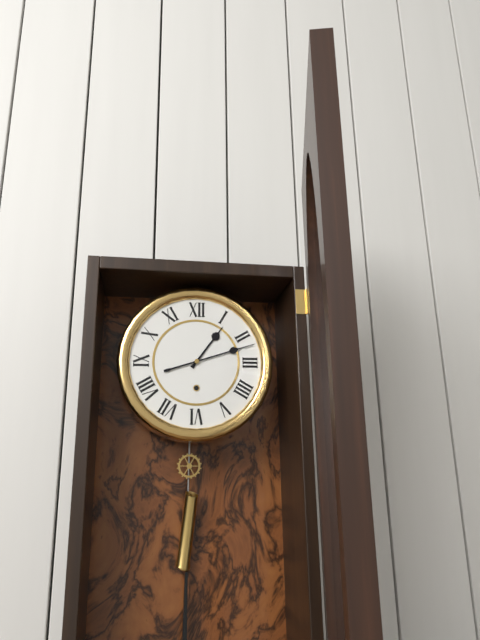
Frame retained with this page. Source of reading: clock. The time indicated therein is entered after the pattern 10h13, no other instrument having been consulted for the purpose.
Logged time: 1h12
